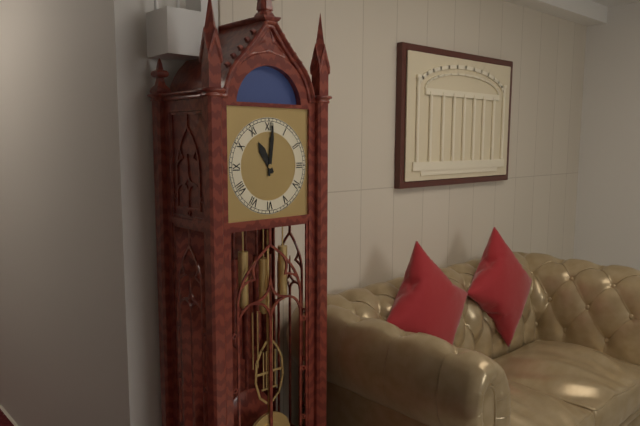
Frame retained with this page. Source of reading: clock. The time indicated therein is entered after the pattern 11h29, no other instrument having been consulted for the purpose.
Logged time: 11h01
